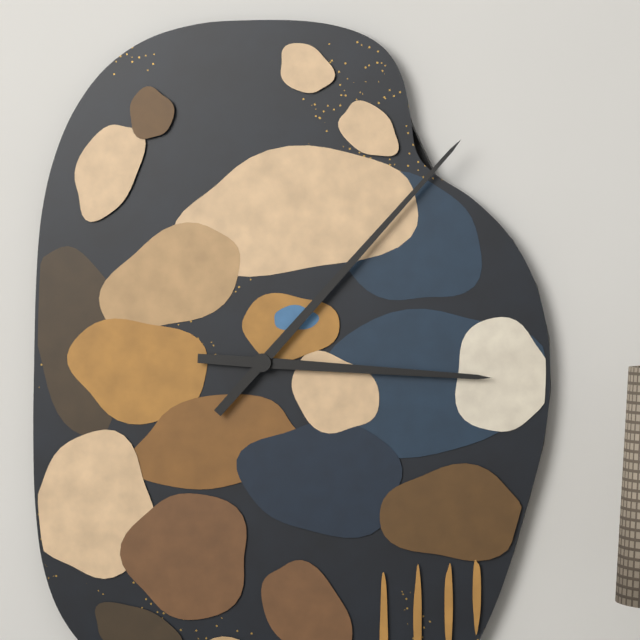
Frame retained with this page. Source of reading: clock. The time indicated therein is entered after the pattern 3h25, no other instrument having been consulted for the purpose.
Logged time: 3h07
